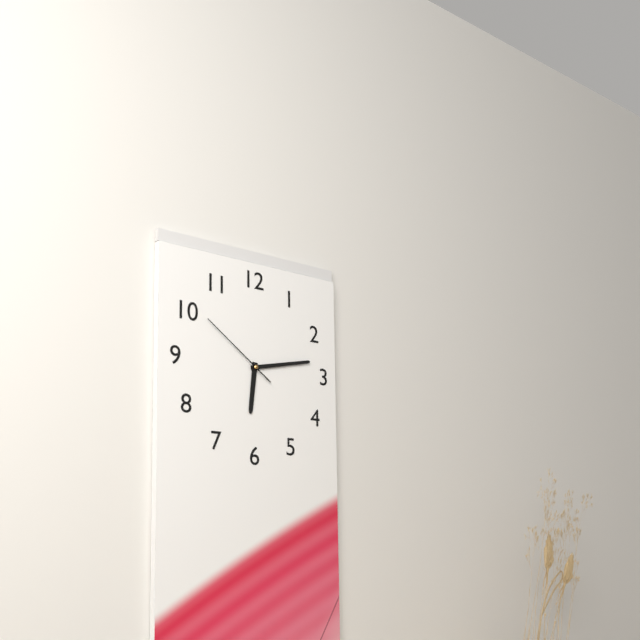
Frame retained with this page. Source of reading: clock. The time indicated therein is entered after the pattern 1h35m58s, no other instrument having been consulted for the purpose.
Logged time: 6h13m51s
